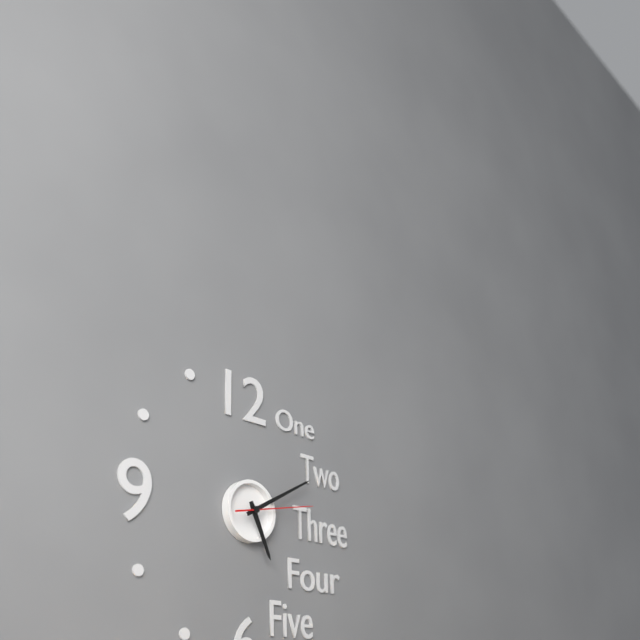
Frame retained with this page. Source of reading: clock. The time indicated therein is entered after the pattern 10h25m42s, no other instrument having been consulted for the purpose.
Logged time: 5h10m13s
